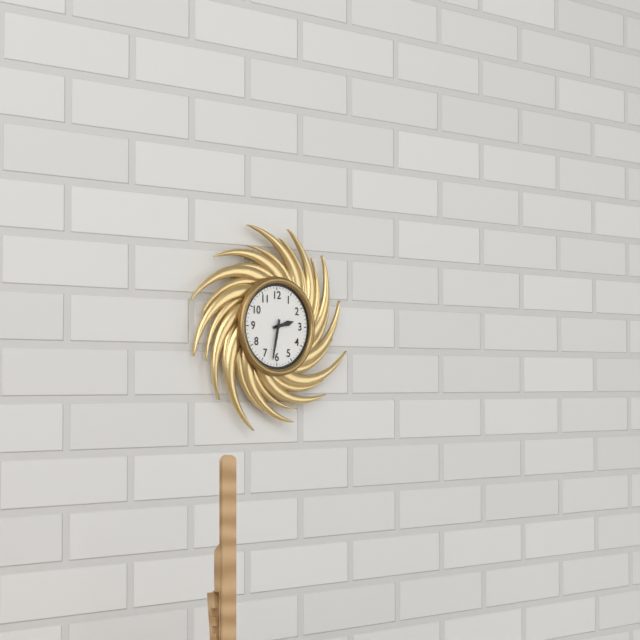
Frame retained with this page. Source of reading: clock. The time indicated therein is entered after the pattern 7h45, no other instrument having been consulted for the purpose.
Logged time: 2h32
